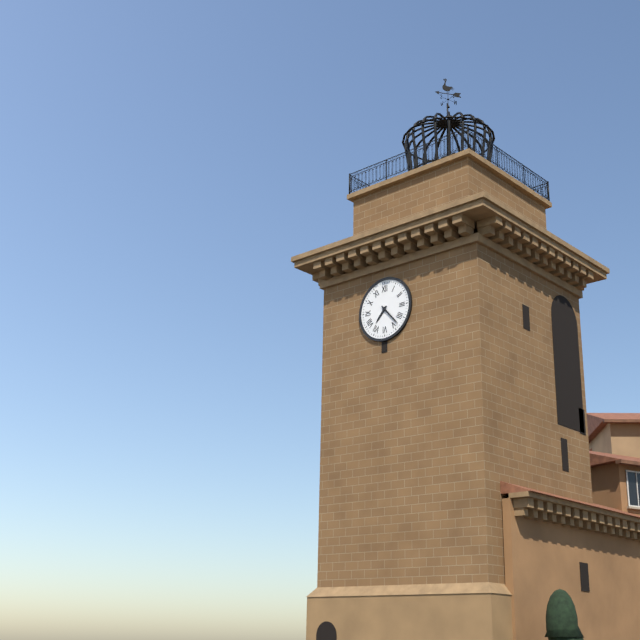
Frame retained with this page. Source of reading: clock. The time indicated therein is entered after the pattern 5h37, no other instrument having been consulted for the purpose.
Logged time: 7h23
